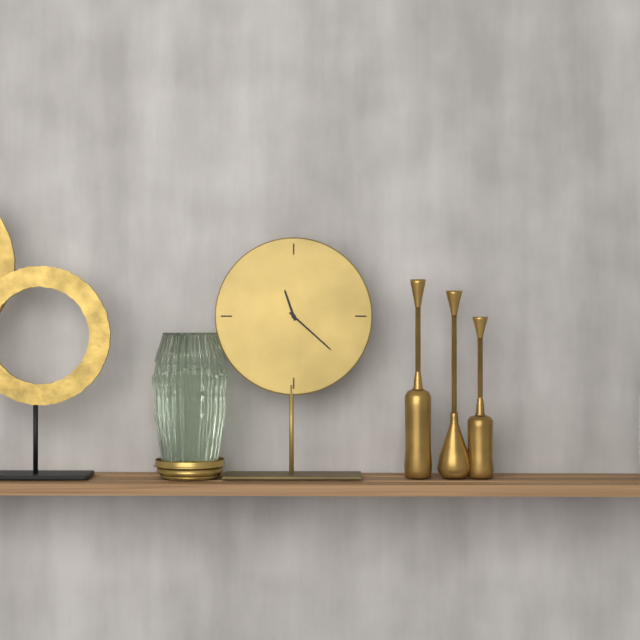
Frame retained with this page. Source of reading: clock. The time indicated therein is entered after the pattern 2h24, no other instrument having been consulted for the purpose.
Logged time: 11h22
